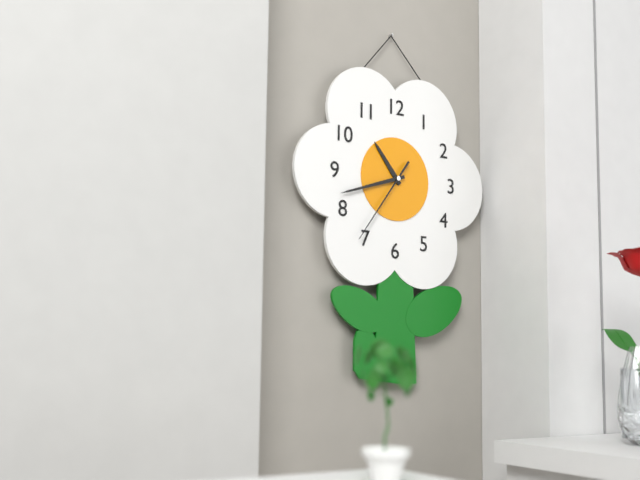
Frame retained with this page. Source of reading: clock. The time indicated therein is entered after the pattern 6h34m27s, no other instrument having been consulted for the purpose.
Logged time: 10h42m36s
